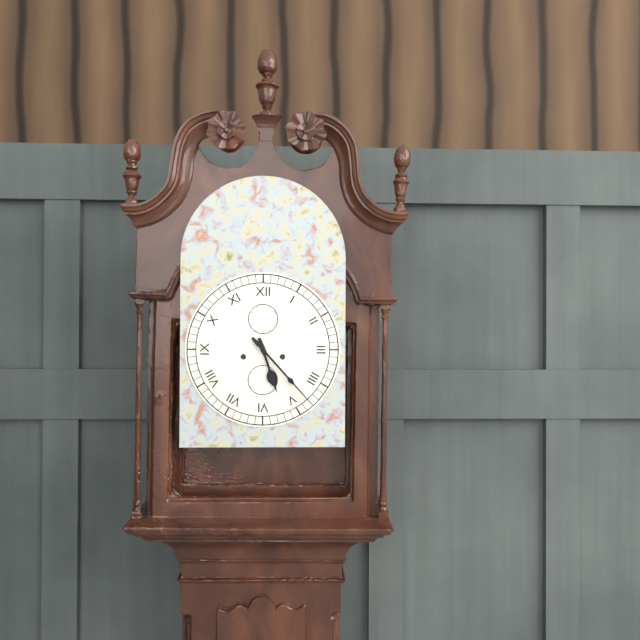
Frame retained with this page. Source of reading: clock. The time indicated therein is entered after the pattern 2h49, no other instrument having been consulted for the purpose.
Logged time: 5h23
